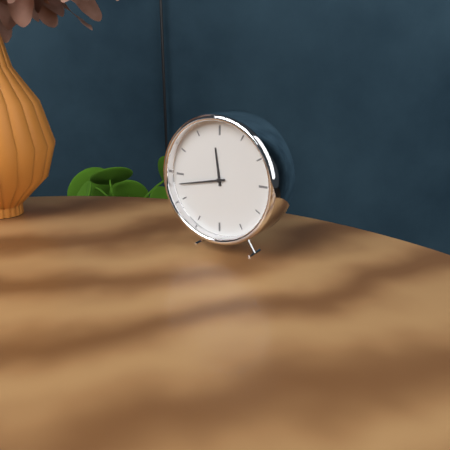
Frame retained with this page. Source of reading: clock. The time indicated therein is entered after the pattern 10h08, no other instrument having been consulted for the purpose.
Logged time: 11h43
